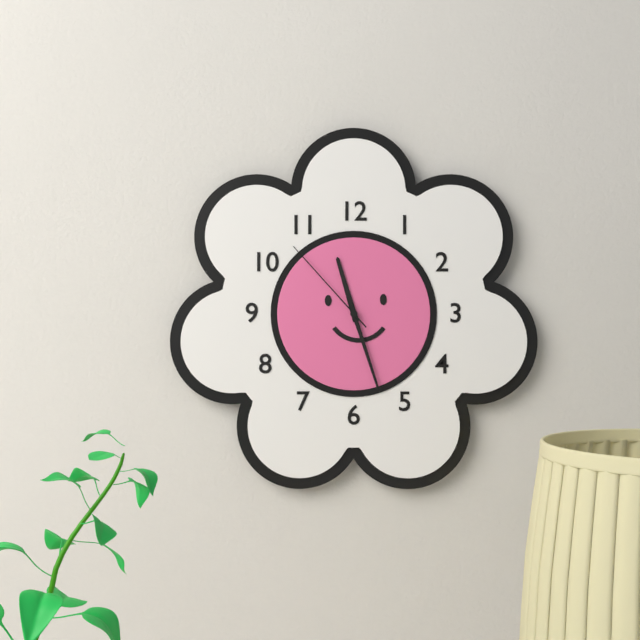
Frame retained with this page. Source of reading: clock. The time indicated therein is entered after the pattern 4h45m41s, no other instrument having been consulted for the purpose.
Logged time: 11h27m53s
